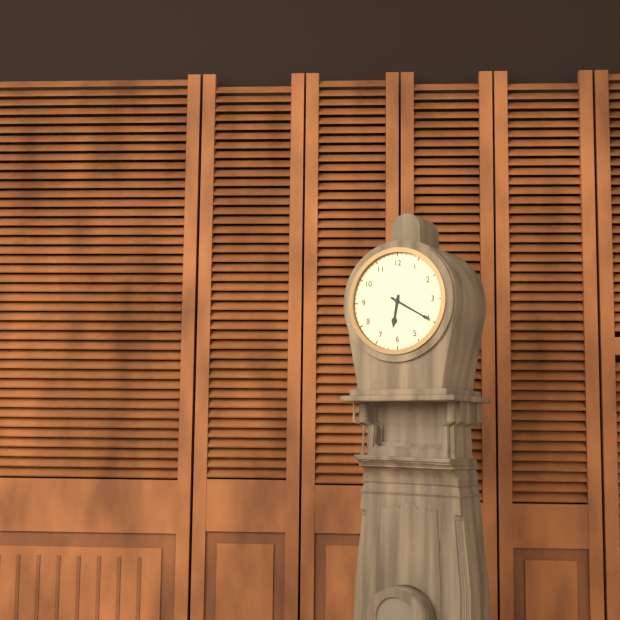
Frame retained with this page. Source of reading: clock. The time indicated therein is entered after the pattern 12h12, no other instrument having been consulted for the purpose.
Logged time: 6h20
